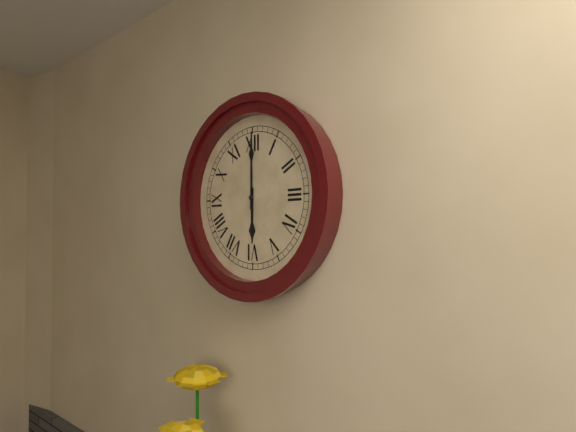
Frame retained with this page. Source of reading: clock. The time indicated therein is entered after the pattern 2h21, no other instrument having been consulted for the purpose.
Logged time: 6h00
